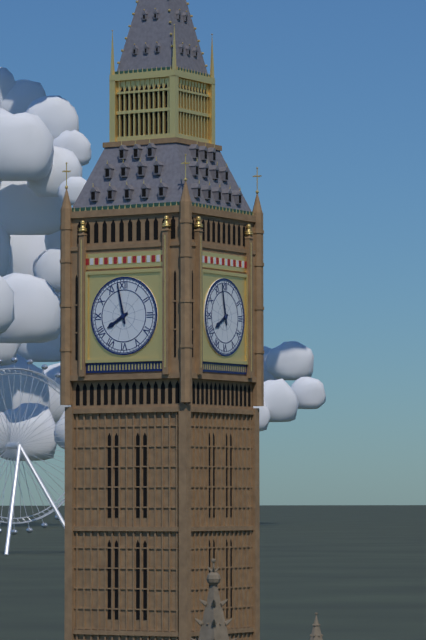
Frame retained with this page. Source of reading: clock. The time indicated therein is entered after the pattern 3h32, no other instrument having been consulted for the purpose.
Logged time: 7h58
